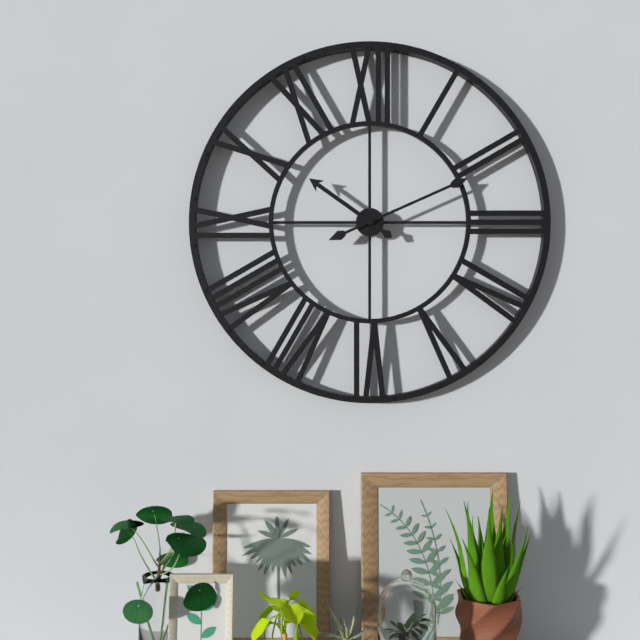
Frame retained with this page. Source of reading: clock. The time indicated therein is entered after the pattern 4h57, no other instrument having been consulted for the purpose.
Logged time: 10h11
